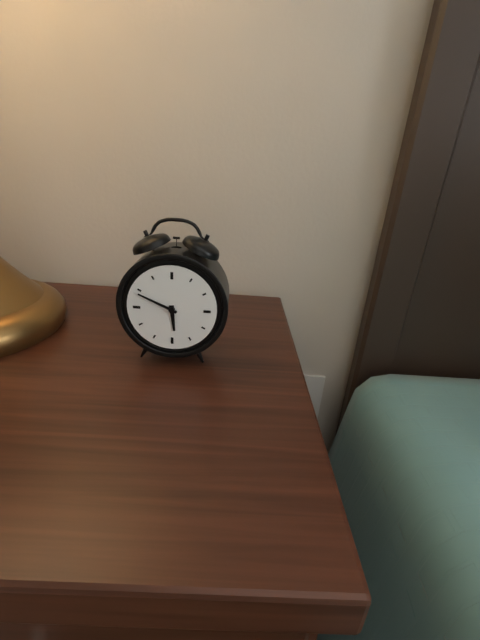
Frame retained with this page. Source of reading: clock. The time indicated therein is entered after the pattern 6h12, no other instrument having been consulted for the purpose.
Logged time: 5h49
